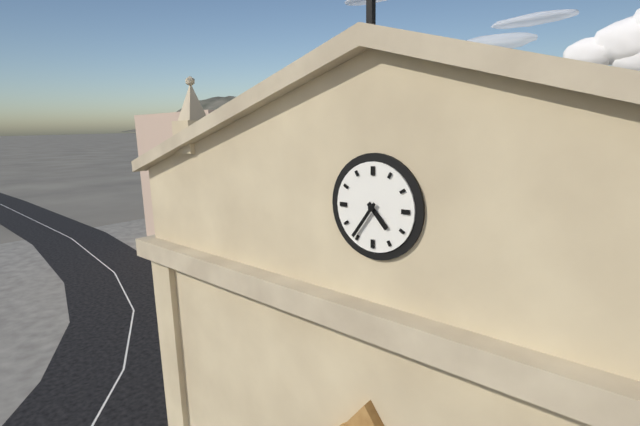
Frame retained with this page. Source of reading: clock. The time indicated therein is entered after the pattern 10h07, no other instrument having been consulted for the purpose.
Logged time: 4h36
